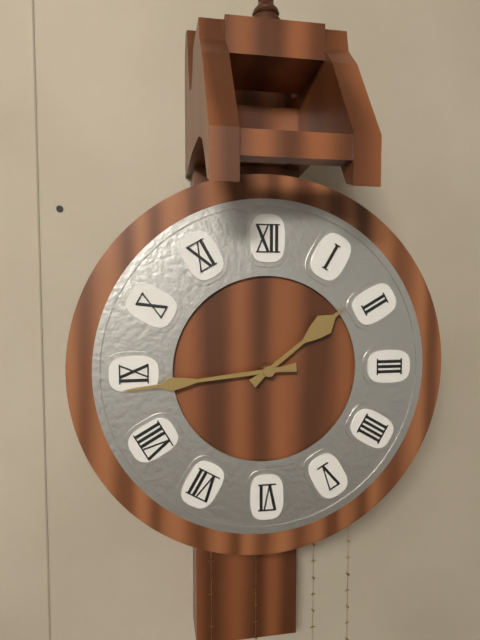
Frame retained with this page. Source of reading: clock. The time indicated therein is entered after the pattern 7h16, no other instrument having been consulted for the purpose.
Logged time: 1h44
